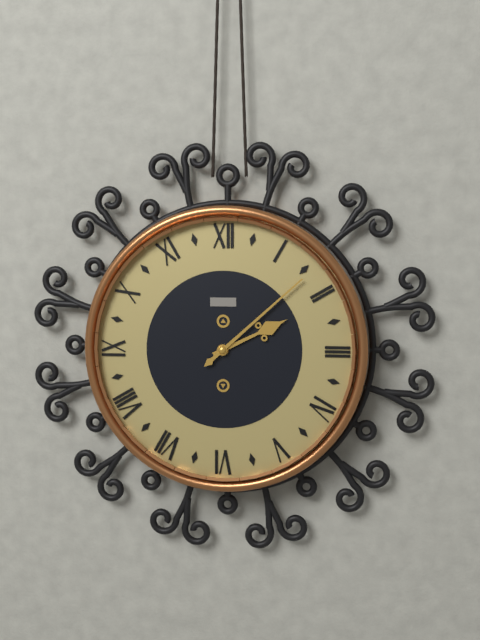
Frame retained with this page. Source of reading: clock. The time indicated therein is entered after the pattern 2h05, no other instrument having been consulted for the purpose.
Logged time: 2h08
